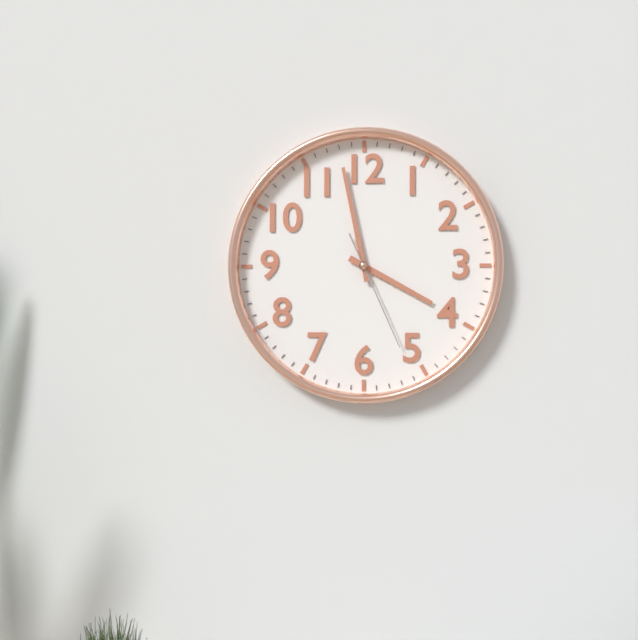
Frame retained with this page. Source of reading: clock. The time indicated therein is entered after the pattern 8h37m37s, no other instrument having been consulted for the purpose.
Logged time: 3h58m26s
